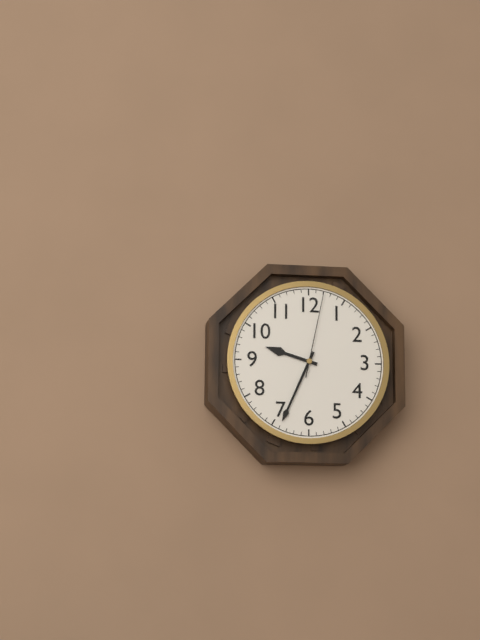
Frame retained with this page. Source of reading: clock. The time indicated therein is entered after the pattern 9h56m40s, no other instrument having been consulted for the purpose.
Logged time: 9h34m02s
